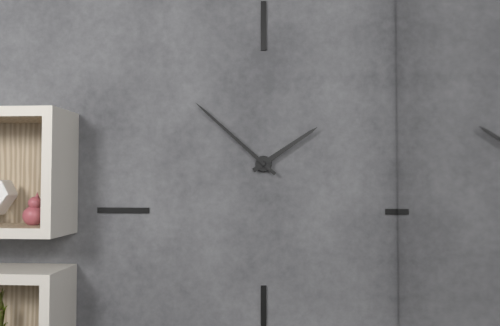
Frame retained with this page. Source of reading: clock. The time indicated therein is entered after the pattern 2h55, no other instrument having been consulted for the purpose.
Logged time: 1h52
